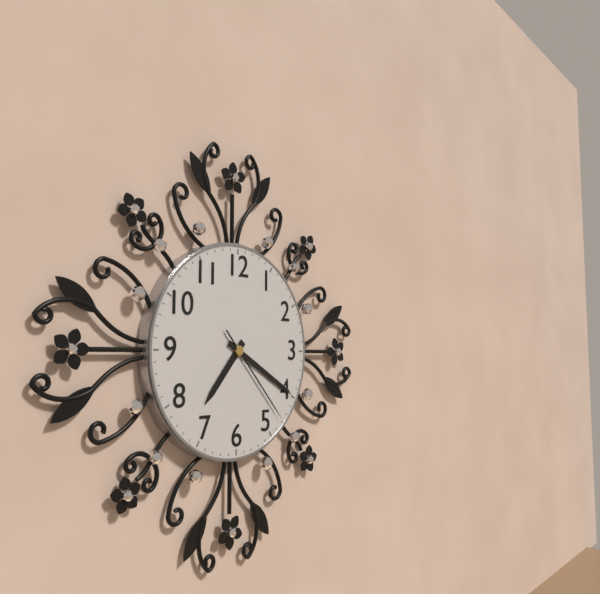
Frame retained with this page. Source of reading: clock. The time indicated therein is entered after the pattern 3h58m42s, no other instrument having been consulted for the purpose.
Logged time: 7h20m23s
